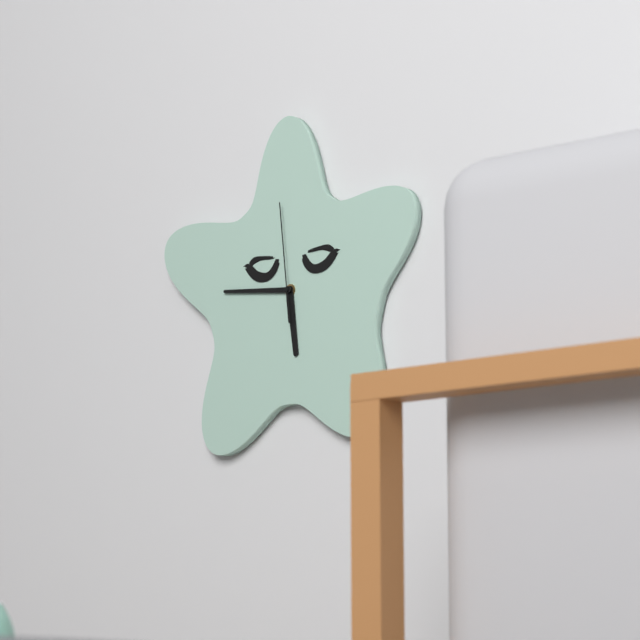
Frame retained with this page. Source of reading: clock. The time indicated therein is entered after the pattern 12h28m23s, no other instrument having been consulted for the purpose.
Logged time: 5h46m59s
